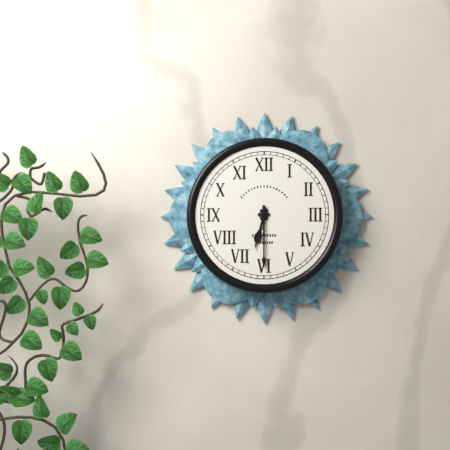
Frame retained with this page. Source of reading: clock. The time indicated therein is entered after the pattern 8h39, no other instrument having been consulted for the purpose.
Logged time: 6h30
